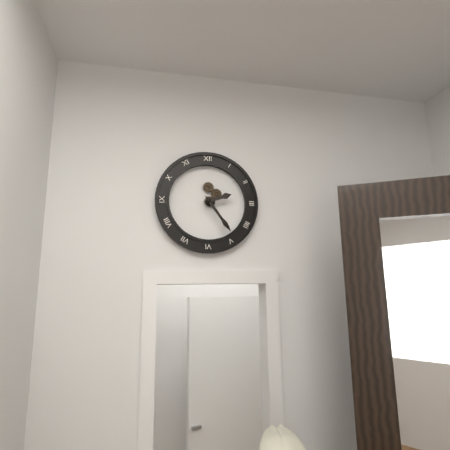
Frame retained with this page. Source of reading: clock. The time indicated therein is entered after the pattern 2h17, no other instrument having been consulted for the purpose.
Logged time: 2h24
